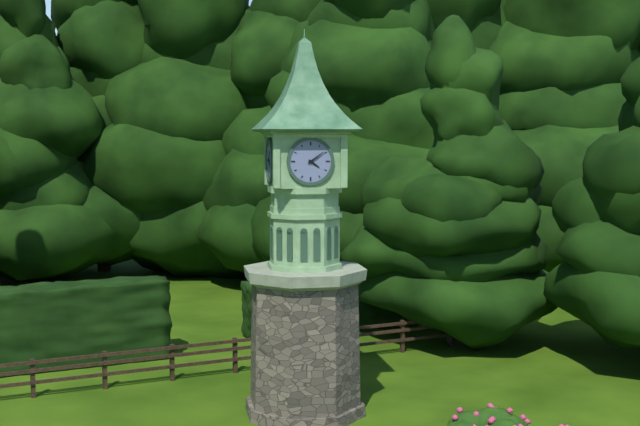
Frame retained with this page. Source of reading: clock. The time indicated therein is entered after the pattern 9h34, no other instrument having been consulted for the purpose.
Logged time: 4h09
